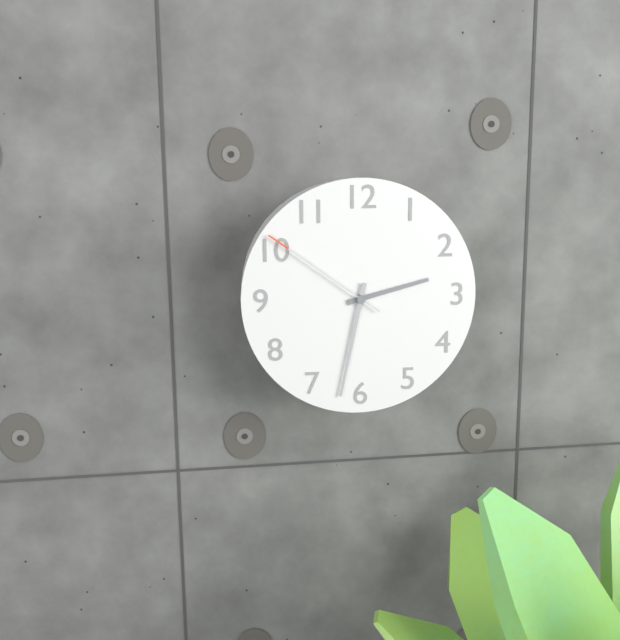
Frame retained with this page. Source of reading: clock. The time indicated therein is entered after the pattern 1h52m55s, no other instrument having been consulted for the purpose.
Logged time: 2h32m51s
